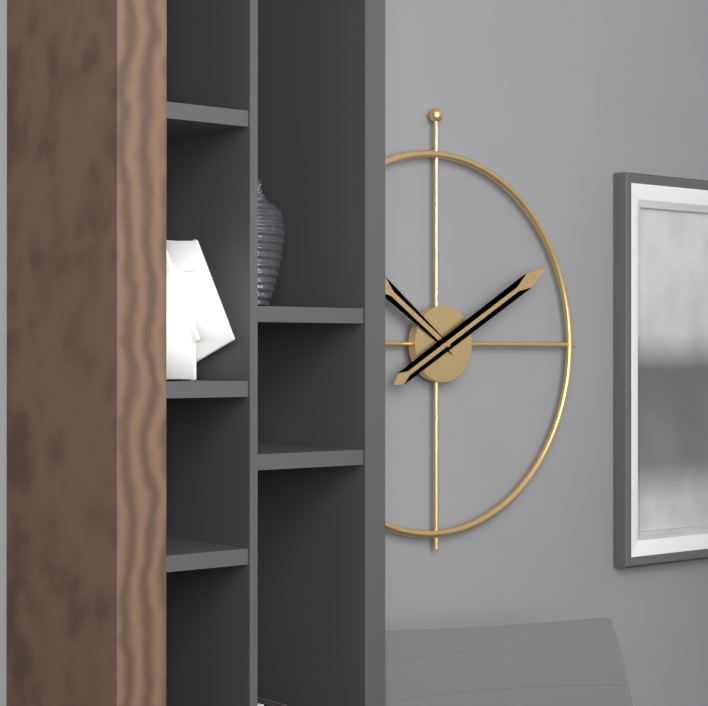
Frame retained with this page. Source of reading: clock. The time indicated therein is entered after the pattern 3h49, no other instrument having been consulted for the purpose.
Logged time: 10h10
